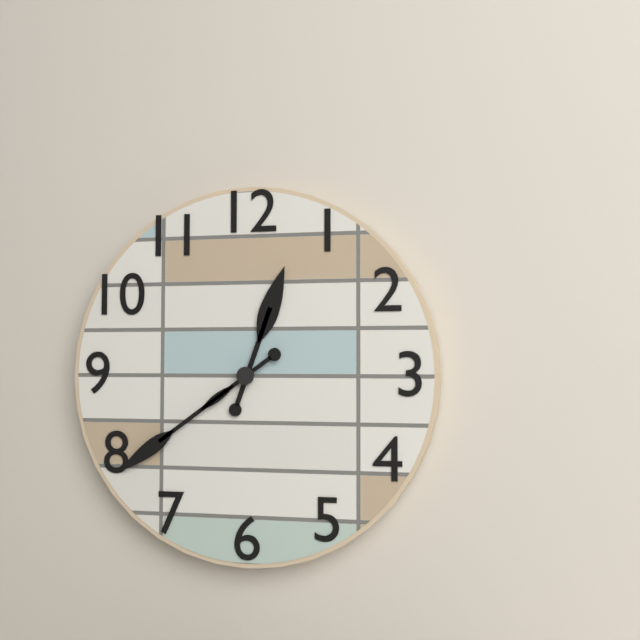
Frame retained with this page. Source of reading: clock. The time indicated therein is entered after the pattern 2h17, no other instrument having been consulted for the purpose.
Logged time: 12h39
